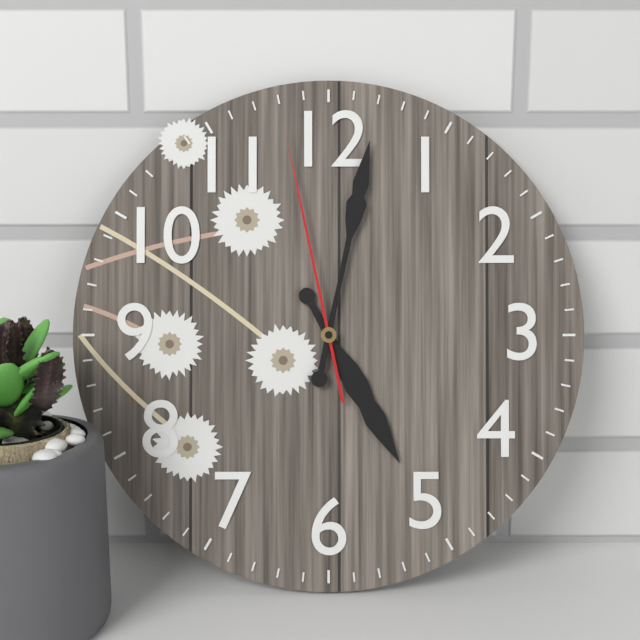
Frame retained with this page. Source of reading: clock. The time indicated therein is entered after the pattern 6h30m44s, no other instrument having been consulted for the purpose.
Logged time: 5h02m58s
